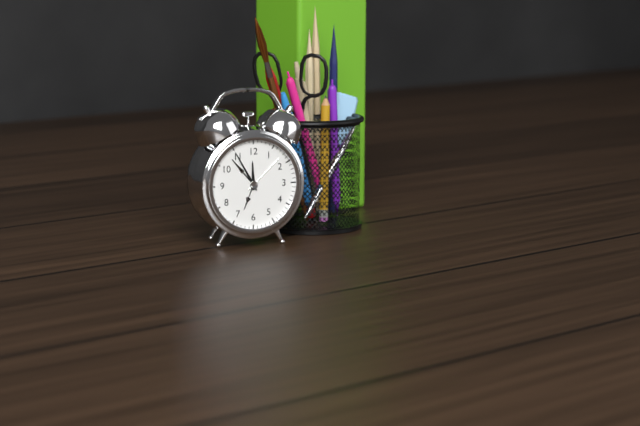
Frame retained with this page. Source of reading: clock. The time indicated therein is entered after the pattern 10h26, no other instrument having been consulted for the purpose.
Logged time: 11h55
